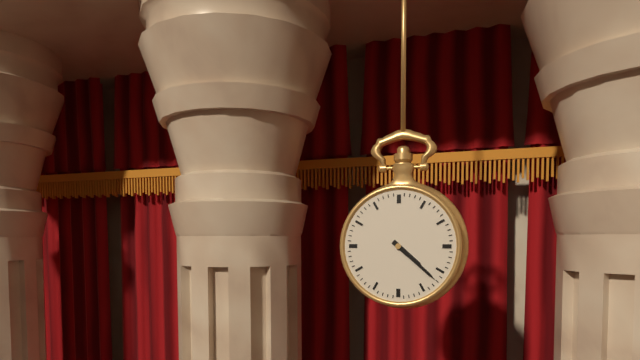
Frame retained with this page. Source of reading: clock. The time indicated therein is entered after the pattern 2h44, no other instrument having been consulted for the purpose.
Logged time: 4h22
